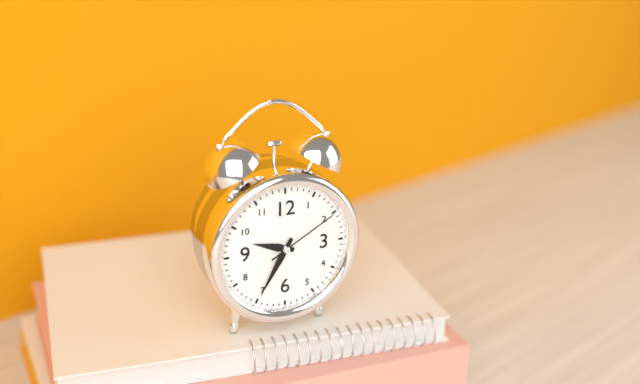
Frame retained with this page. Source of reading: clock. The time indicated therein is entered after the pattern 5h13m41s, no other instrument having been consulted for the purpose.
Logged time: 9h35m10s
